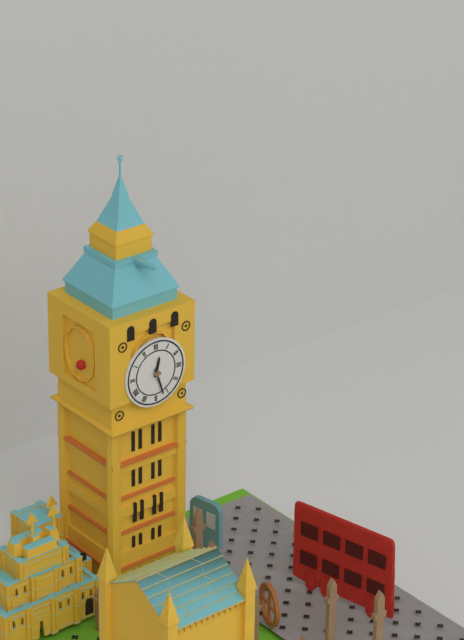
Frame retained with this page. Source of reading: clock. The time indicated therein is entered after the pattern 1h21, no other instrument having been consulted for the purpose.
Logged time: 12h27
